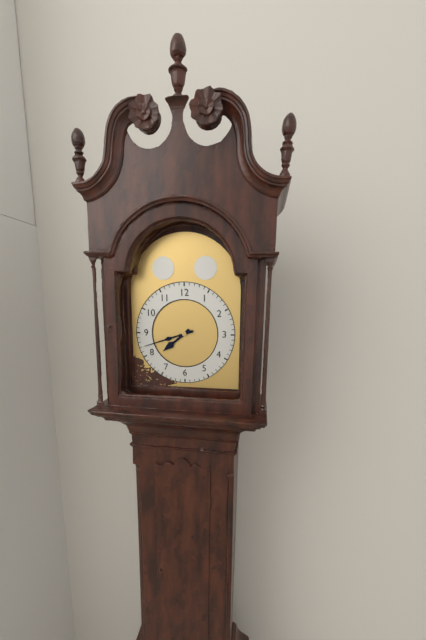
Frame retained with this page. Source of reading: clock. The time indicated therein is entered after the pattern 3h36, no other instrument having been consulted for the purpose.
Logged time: 7h42
